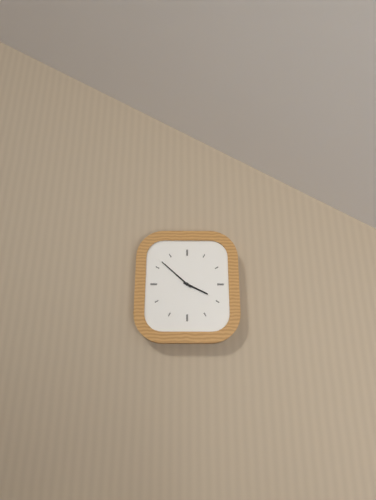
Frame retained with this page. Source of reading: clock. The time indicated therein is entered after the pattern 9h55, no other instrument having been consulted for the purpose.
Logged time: 3h52
